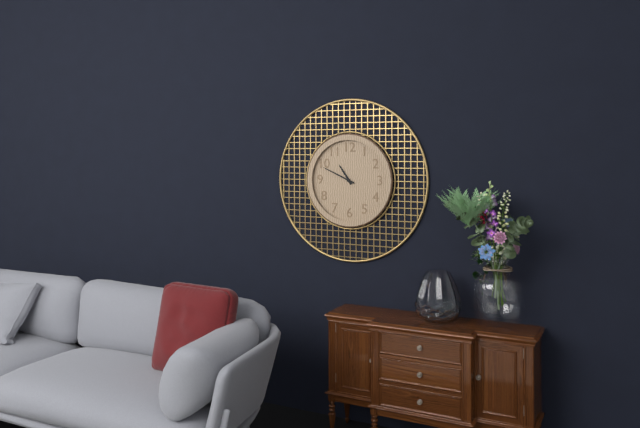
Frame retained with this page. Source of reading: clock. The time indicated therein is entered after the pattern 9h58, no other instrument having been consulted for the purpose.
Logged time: 10h49
